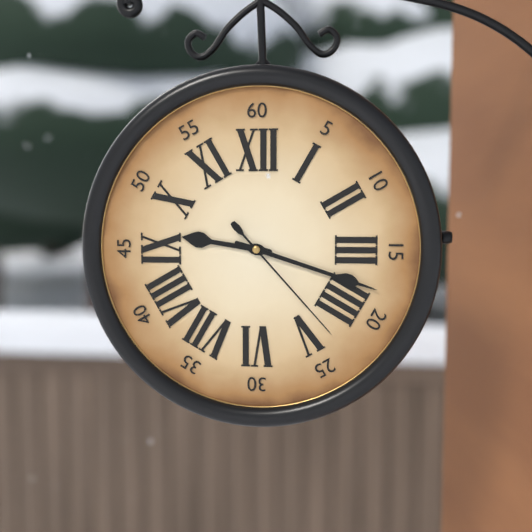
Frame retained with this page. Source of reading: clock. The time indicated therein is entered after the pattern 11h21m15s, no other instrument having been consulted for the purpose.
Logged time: 9h18m23s
